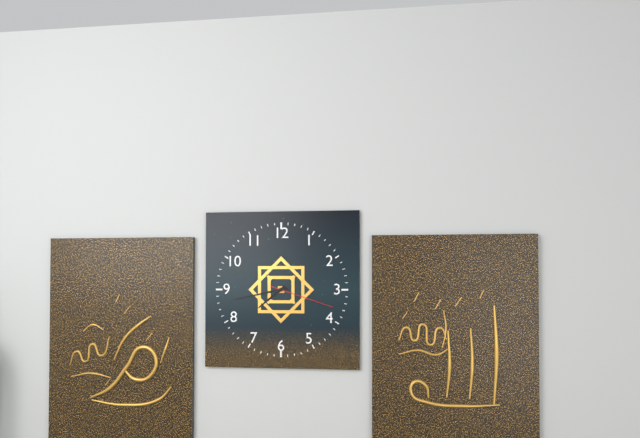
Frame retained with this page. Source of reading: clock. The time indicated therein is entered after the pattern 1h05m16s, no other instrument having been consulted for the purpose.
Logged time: 7h43m18s
